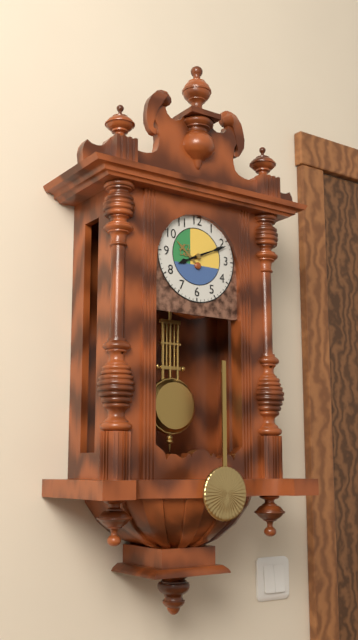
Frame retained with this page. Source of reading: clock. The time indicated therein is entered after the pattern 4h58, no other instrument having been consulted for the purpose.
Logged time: 8h11
